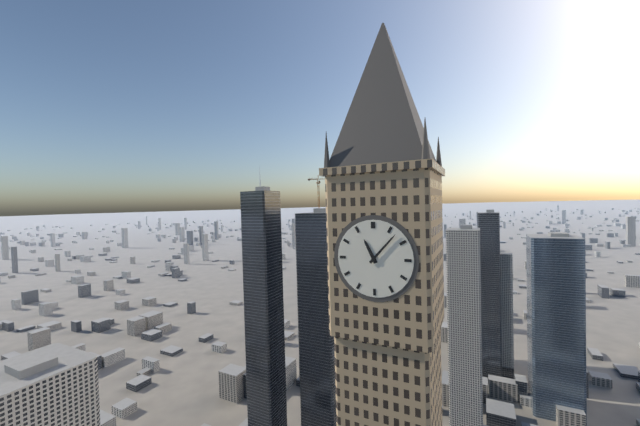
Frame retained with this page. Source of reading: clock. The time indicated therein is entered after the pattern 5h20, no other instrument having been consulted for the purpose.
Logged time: 11h07
